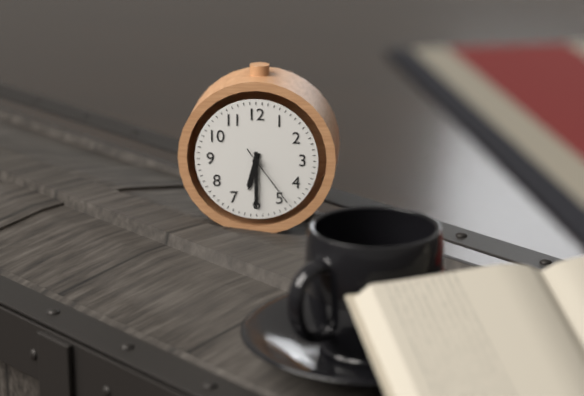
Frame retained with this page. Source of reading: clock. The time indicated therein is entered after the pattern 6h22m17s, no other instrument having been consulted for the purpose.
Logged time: 6h30m24s
